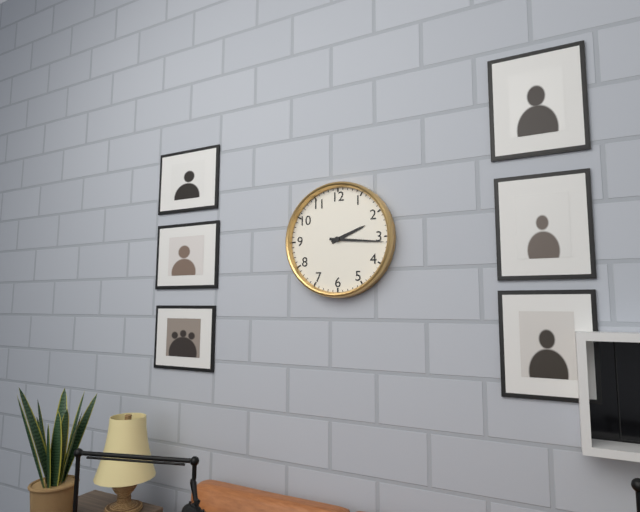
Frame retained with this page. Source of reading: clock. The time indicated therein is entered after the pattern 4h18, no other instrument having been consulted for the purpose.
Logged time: 2h16
